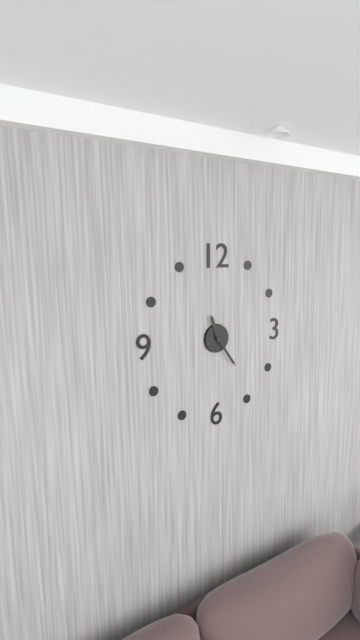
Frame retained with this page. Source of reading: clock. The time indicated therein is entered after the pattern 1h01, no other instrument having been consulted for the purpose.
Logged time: 11h24
